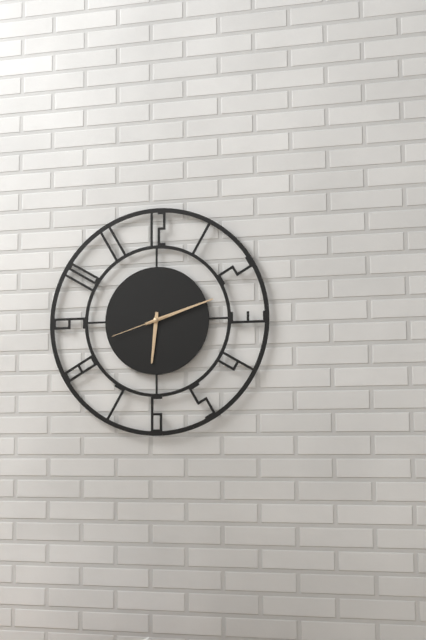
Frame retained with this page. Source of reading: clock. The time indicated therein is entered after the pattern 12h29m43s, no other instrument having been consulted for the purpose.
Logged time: 6h12m42s
